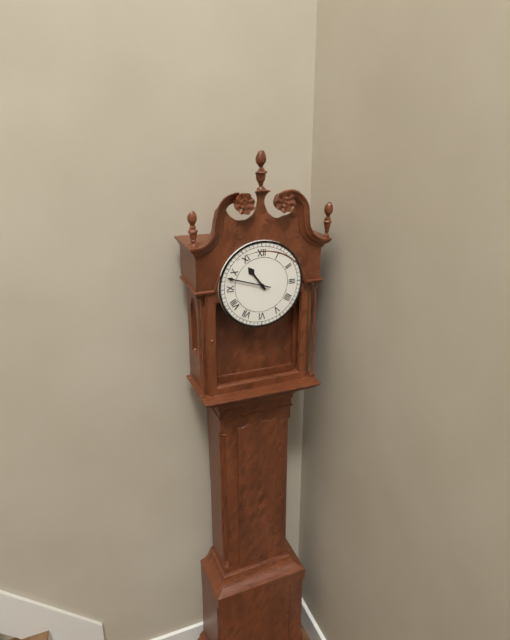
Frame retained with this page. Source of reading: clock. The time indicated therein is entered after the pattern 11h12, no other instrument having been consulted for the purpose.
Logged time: 10h48
